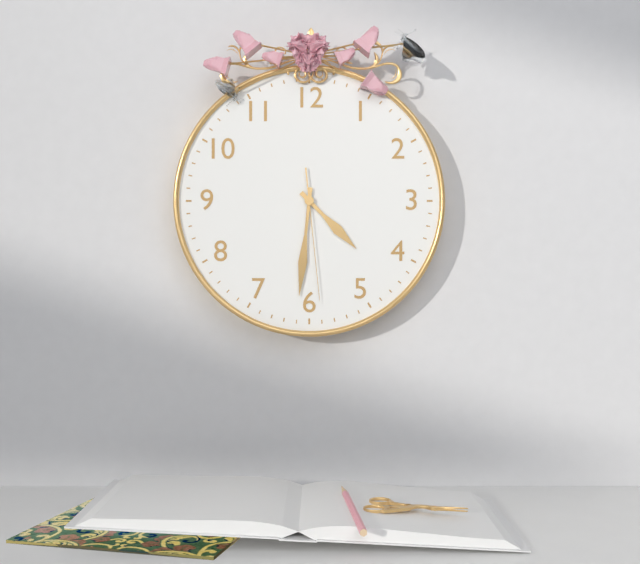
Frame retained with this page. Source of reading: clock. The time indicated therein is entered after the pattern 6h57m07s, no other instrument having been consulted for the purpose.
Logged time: 4h31m29s
